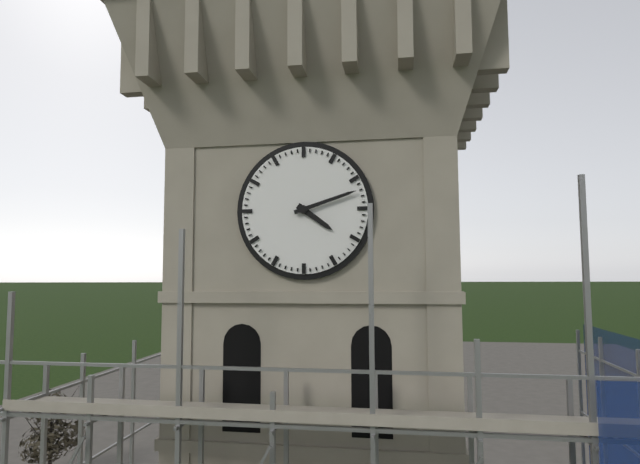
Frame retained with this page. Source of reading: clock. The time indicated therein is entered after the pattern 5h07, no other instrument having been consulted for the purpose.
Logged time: 4h12
